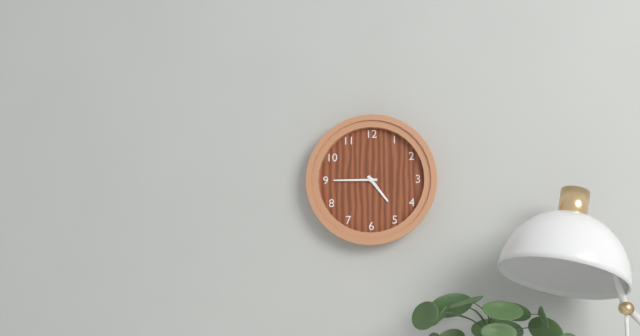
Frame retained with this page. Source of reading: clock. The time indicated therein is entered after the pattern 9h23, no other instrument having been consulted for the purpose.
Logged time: 4h45
